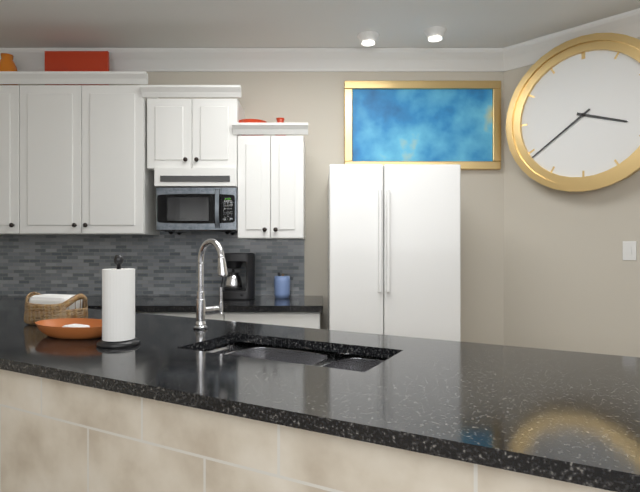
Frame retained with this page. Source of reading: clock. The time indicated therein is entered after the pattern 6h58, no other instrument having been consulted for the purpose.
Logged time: 3h39
